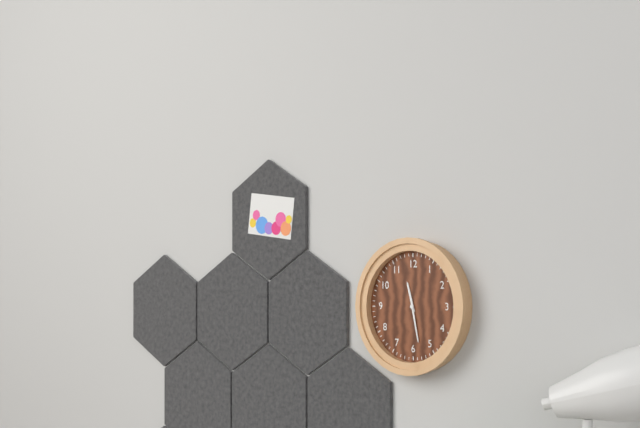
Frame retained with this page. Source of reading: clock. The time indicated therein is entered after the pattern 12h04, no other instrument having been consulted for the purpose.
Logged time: 11h28
